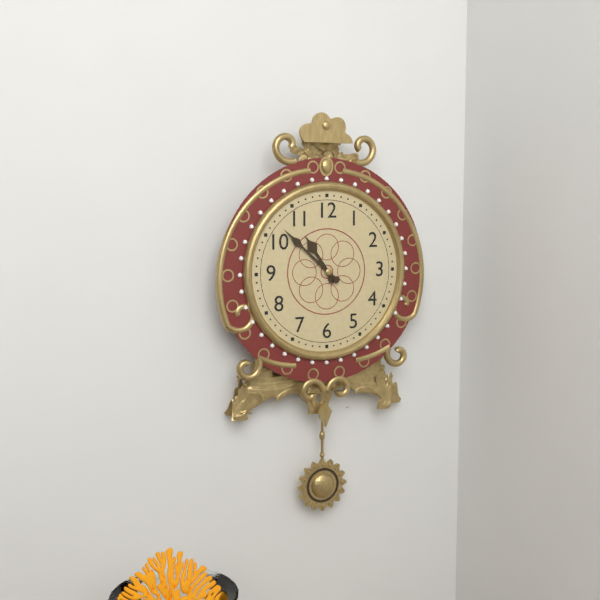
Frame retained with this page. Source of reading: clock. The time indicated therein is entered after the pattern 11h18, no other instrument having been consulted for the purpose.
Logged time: 10h52
